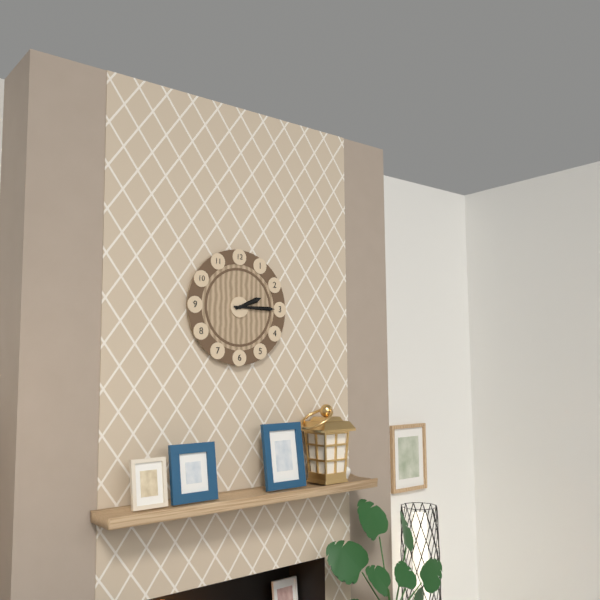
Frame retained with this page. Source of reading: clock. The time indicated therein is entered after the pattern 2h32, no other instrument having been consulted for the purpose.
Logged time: 2h15
